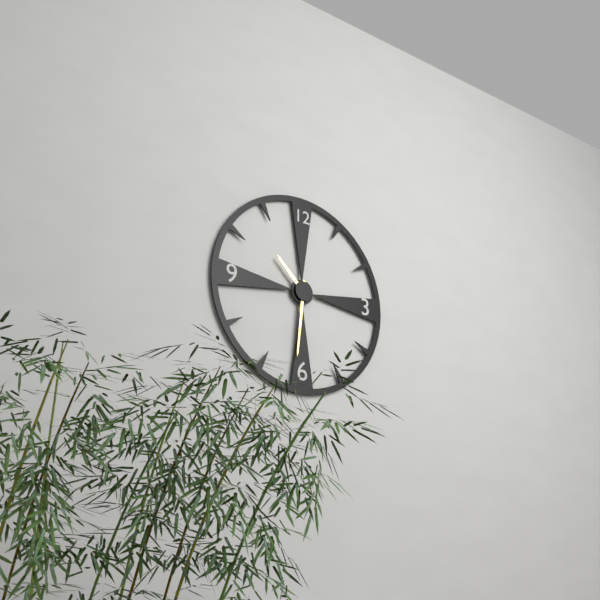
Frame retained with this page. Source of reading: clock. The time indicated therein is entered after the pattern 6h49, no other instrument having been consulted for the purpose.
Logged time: 10h31
